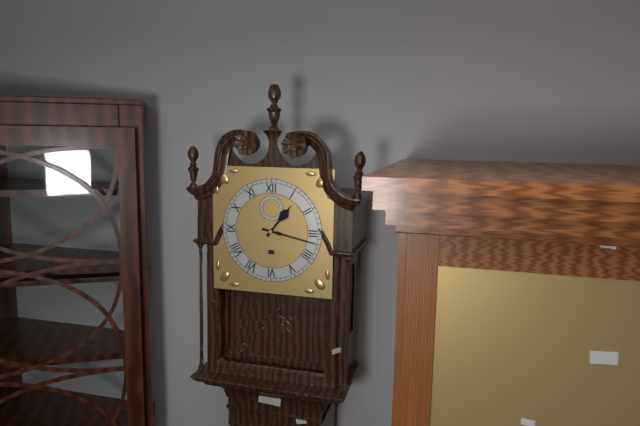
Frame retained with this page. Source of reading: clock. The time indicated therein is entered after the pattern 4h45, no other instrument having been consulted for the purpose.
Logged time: 1h17
